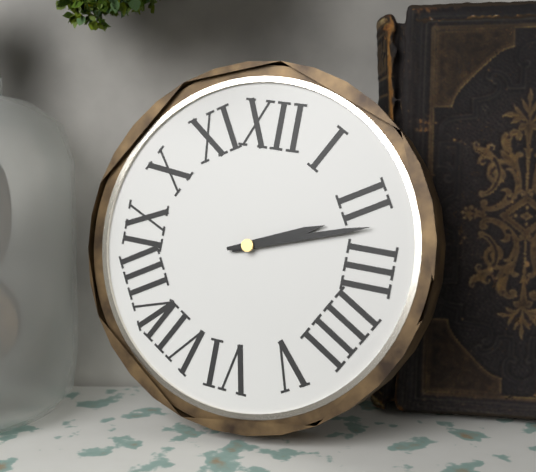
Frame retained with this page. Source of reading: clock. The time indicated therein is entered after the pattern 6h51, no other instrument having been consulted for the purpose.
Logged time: 2h12
